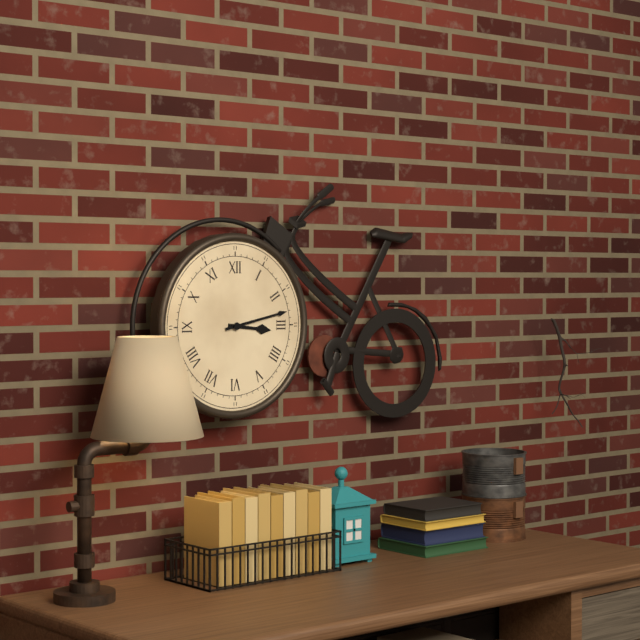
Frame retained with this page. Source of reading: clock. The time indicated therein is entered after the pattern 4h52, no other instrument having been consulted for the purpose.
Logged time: 3h13
